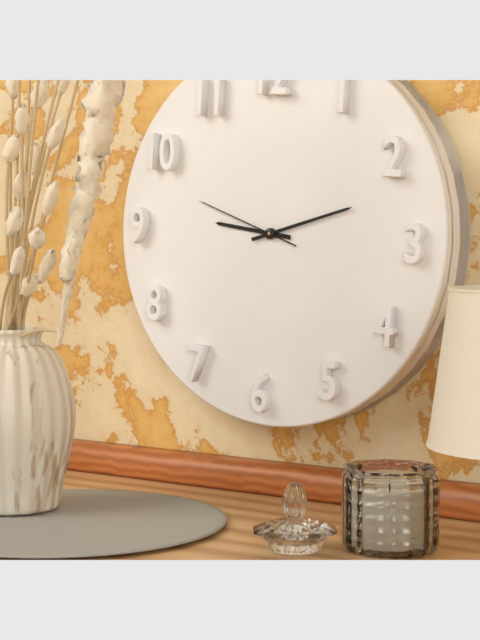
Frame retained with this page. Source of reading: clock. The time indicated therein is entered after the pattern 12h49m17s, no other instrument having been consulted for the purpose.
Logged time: 9h12m48s
